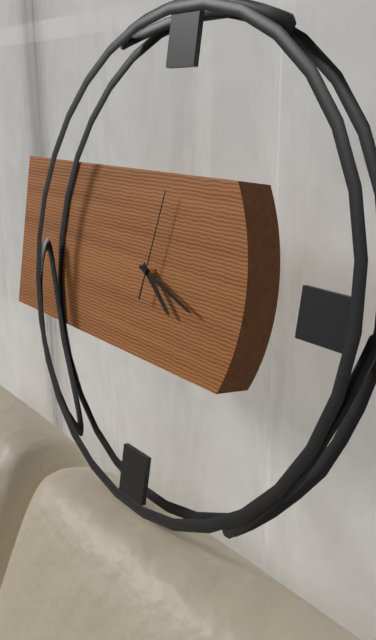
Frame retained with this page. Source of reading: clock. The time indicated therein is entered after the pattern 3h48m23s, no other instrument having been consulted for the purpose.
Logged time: 4h18m02s
